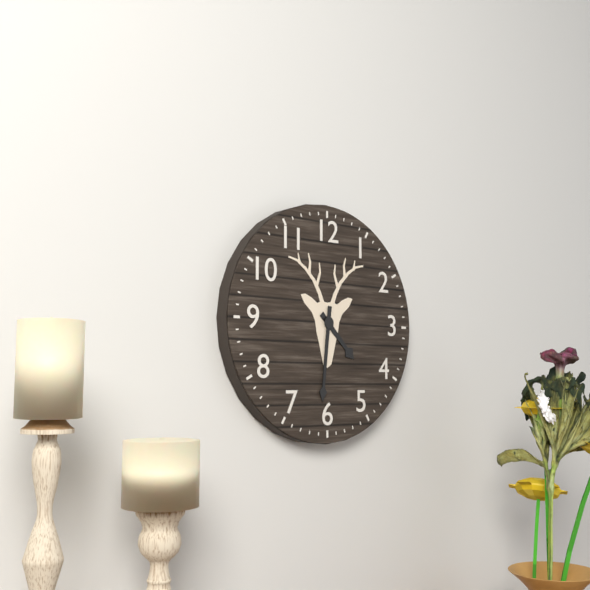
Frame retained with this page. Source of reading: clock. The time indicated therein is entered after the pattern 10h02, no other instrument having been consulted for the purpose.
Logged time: 4h31
